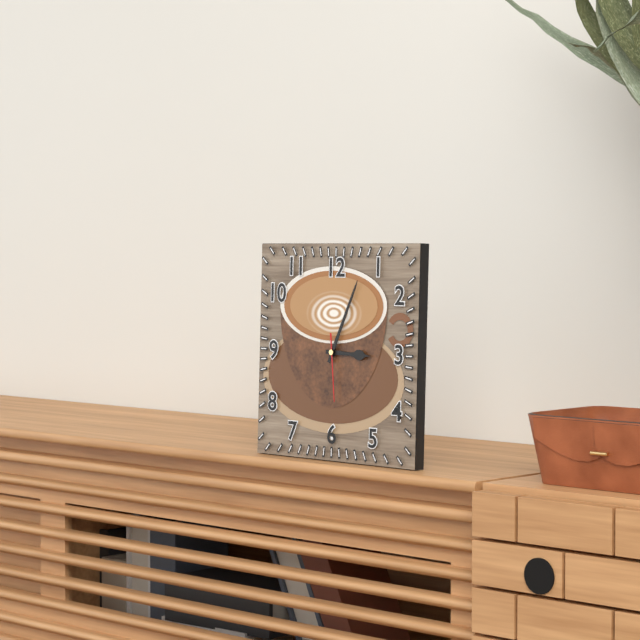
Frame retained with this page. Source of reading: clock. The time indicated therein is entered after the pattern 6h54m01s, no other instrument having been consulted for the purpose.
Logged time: 3h04m29s
